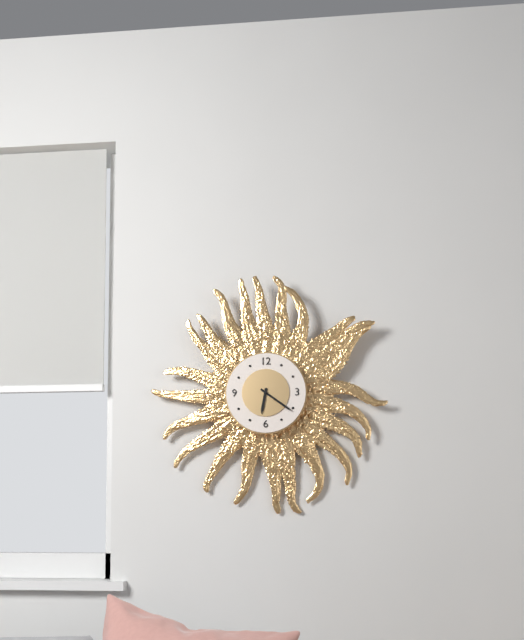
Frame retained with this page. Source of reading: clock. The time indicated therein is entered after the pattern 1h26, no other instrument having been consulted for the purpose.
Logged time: 6h21
